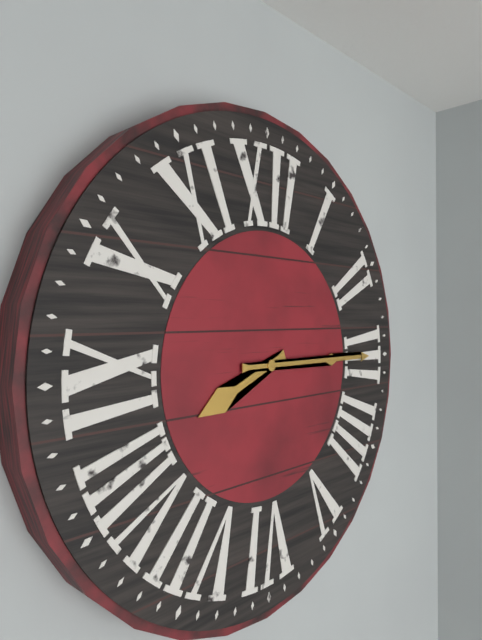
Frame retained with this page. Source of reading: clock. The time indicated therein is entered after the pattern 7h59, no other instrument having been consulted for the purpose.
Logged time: 8h15
